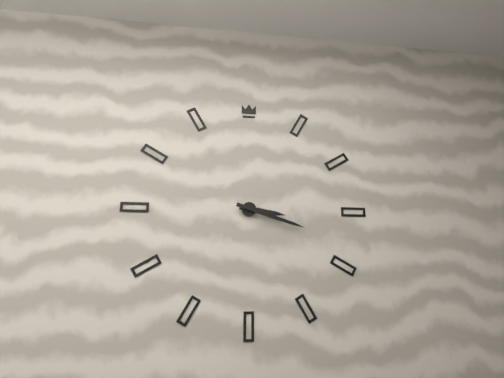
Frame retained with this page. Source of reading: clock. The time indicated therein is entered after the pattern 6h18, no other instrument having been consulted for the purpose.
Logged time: 3h18
